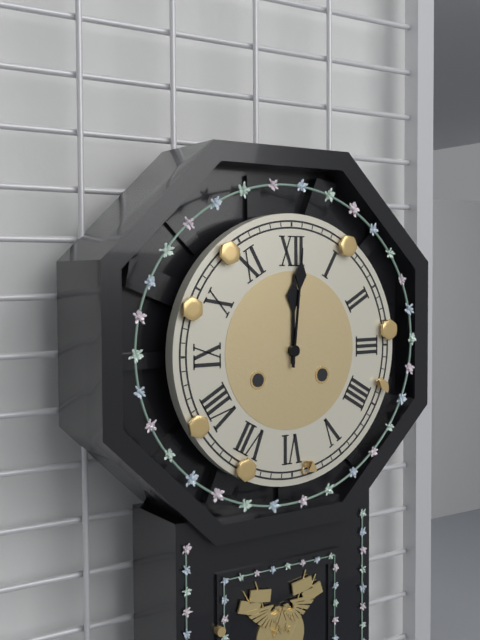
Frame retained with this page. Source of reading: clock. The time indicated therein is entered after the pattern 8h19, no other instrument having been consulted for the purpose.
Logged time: 12h01
